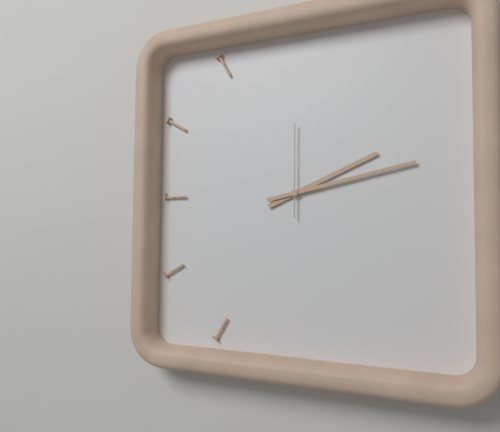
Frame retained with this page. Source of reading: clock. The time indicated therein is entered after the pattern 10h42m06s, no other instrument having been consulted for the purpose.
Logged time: 2h13m00s
